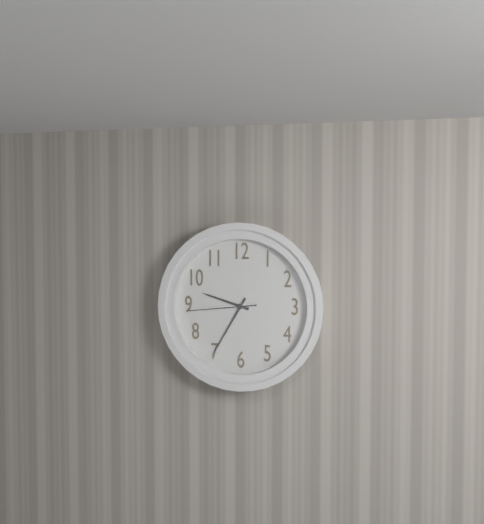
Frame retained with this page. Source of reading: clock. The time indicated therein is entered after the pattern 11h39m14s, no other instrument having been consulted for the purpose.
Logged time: 9h35m44s
